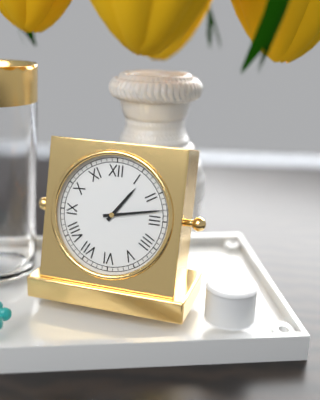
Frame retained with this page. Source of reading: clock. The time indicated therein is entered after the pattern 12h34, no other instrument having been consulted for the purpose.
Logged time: 1h13
